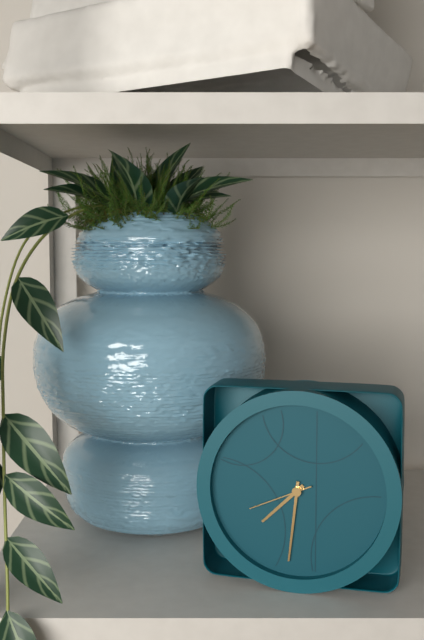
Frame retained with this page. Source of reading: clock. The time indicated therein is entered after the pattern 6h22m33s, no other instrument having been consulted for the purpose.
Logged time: 7h31m41s
